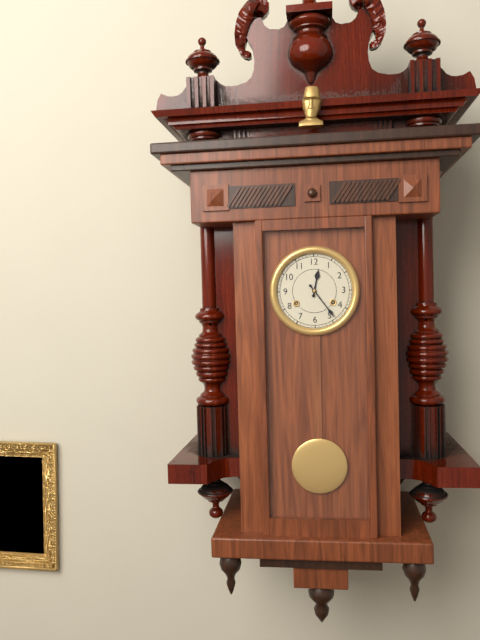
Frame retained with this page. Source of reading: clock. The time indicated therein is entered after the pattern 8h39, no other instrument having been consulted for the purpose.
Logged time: 12h24
